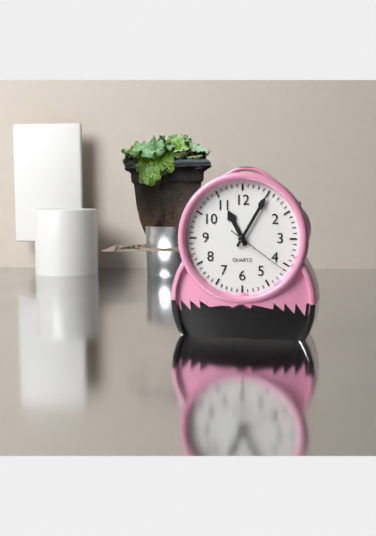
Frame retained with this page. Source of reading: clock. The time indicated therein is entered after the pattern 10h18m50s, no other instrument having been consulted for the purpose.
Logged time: 11h05m21s
